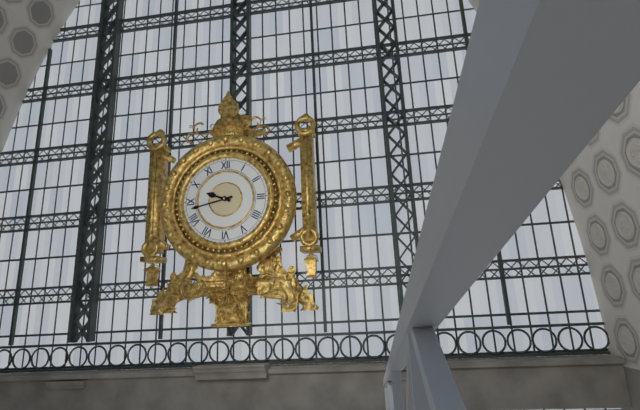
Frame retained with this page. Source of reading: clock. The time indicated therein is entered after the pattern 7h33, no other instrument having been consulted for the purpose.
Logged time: 9h43
